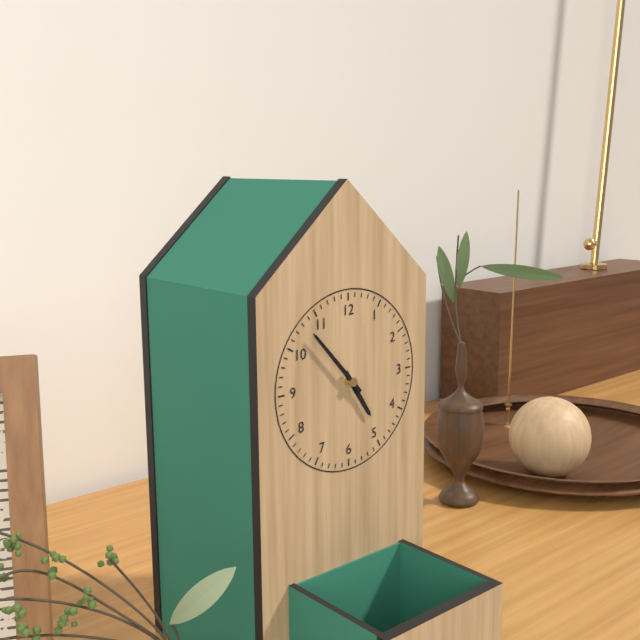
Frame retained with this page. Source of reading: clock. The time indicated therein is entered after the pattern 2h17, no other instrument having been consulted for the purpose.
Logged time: 4h53
